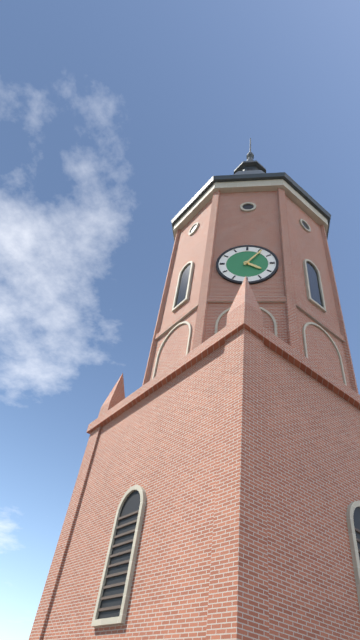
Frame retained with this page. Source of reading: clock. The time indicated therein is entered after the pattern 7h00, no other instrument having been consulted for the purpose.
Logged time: 4h06
